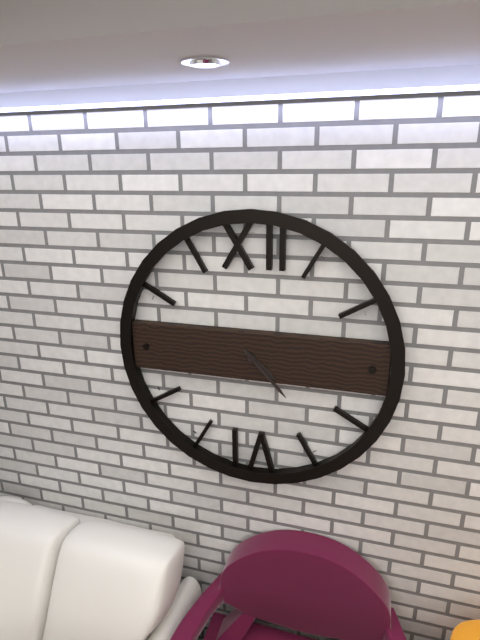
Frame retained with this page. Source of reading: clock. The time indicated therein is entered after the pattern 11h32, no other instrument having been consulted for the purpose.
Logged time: 4h23
